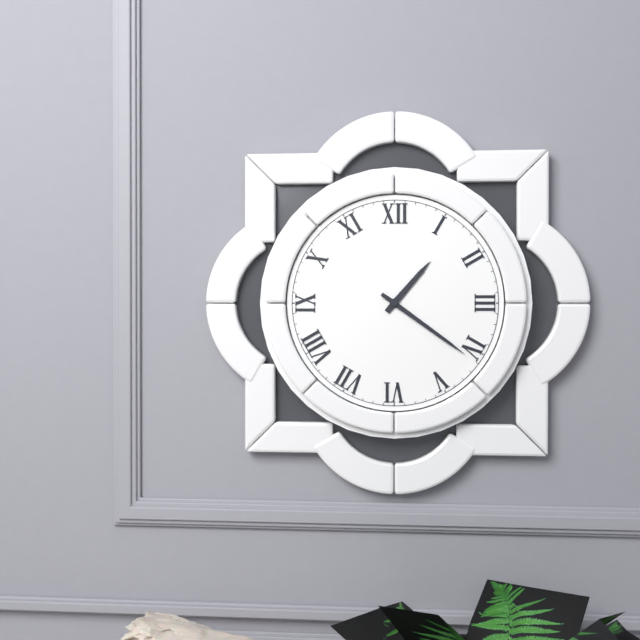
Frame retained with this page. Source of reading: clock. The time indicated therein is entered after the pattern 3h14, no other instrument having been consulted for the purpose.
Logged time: 1h21
